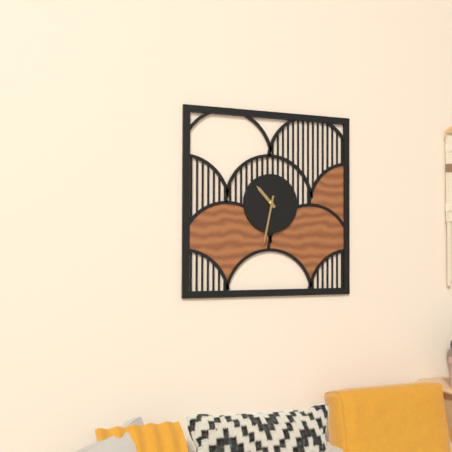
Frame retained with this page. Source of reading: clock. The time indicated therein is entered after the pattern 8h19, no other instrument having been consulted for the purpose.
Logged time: 10h32
